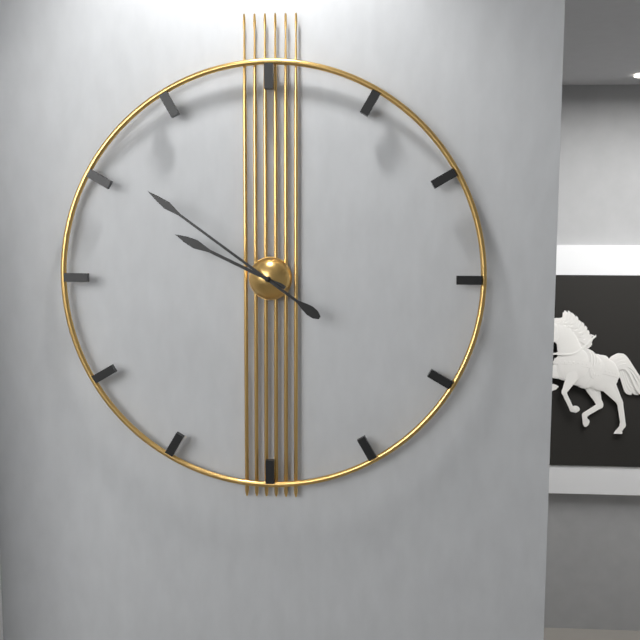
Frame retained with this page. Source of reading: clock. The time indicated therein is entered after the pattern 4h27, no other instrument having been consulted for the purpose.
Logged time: 9h51
